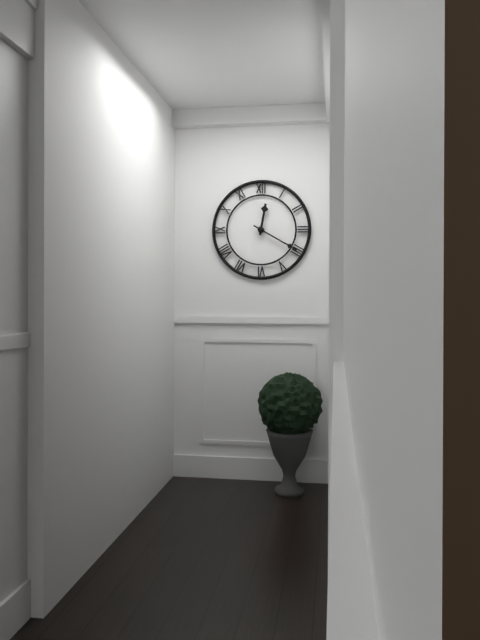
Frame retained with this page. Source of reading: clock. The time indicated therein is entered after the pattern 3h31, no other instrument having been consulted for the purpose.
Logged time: 12h20
